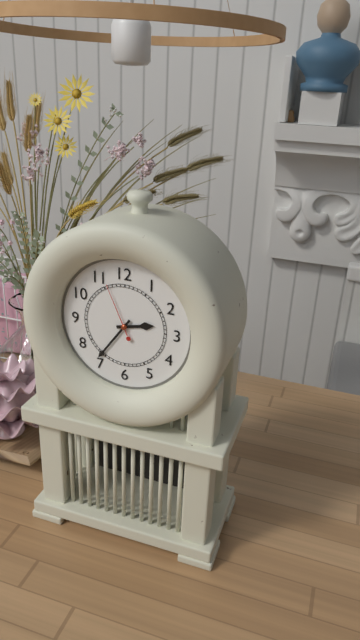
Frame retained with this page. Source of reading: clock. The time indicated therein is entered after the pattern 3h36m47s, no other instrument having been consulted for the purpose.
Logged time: 2h36m56s
